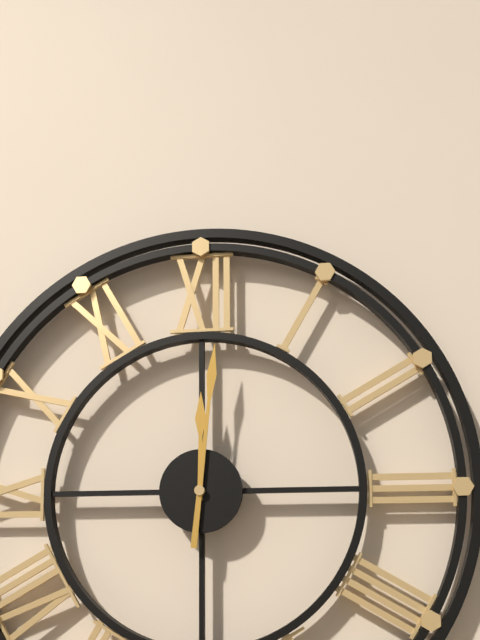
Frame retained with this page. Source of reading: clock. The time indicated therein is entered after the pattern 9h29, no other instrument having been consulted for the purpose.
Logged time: 12h01
